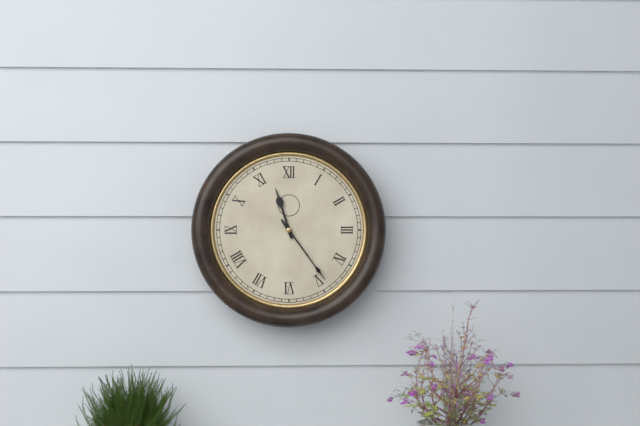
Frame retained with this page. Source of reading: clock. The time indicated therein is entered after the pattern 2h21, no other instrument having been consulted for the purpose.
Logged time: 11h24
